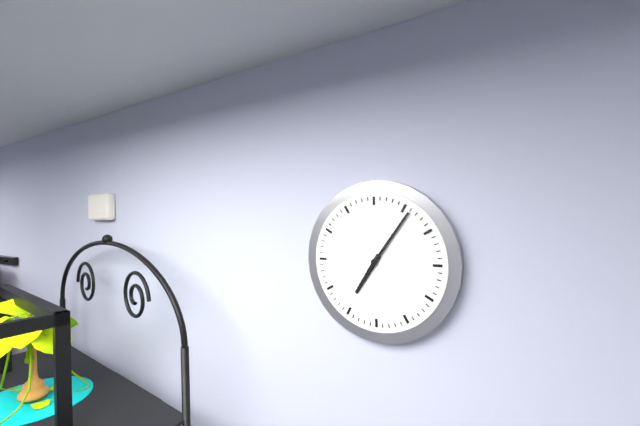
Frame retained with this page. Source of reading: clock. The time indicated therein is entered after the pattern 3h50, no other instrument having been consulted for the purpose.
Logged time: 7h06
